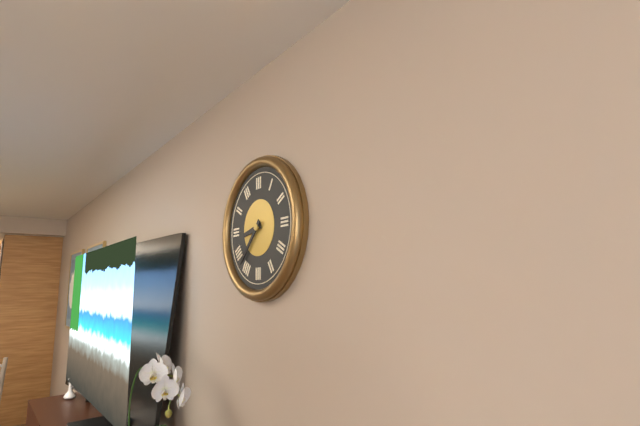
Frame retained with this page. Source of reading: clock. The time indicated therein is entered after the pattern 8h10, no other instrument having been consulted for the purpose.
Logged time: 8h37
